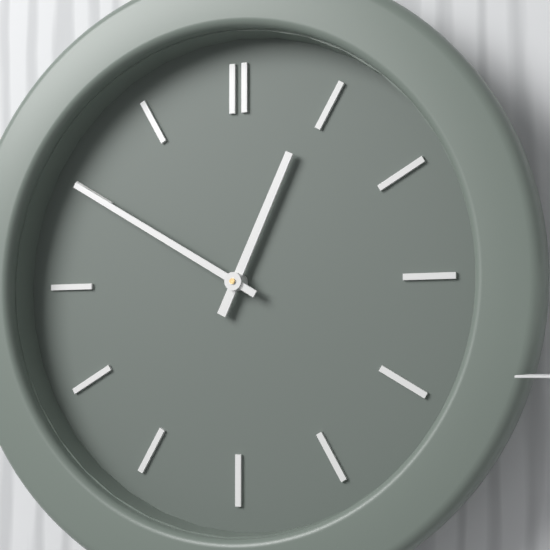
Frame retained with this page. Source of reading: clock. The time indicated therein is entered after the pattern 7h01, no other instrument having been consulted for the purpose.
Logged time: 12h50
